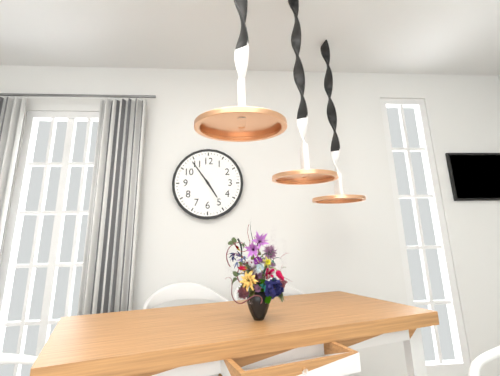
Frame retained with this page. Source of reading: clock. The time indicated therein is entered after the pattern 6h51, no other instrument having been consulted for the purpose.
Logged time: 4h54
